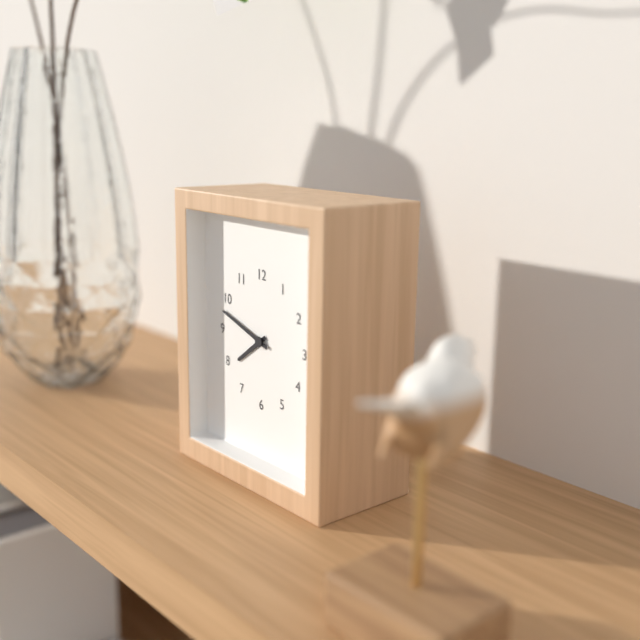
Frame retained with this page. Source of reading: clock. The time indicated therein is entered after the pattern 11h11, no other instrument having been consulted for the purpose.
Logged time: 7h48
